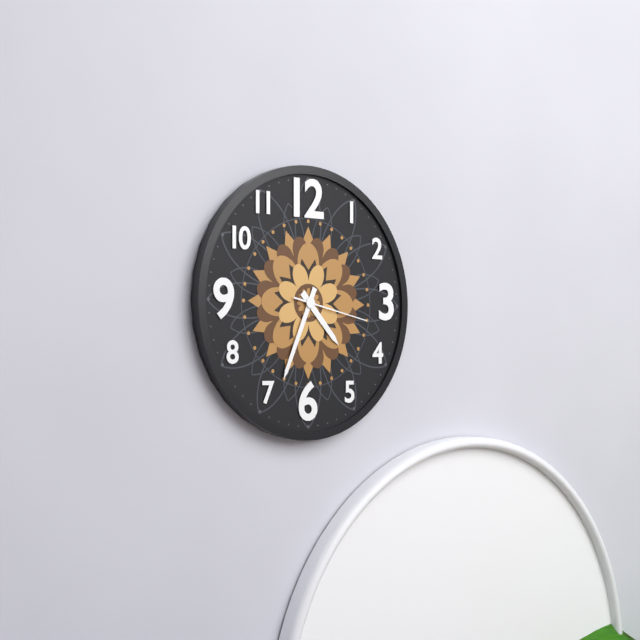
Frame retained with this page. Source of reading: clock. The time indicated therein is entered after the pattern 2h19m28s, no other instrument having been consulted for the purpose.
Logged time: 4h34m17s
